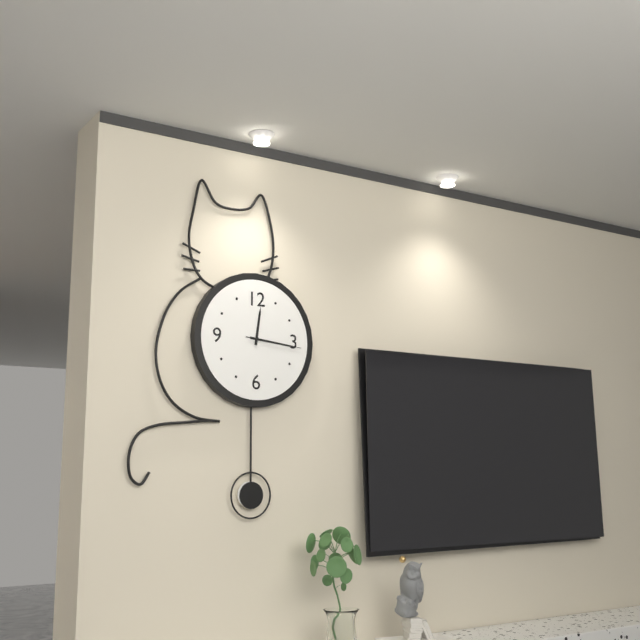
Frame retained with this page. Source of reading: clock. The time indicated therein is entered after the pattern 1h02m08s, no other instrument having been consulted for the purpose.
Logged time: 12h16m16s
